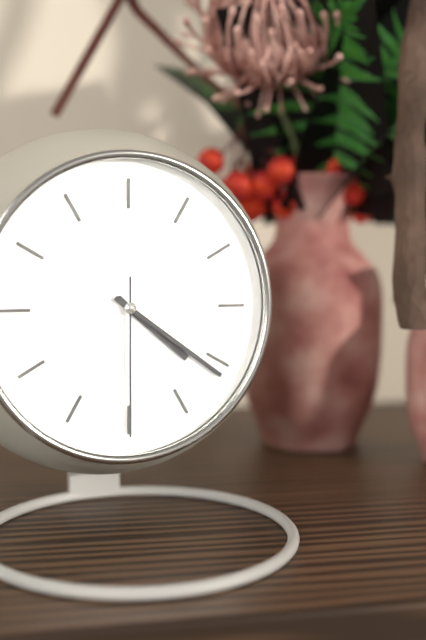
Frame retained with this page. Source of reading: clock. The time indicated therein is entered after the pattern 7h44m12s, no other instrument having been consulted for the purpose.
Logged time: 4h21m30s
